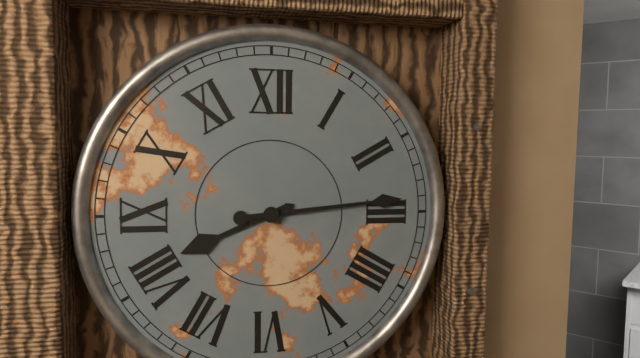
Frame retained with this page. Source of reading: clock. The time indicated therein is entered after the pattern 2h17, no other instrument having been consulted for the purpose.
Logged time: 8h14
